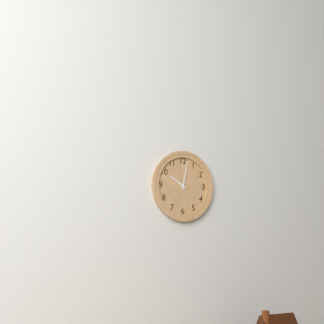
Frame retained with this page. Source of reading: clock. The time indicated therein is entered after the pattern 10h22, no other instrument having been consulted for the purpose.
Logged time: 10h02
